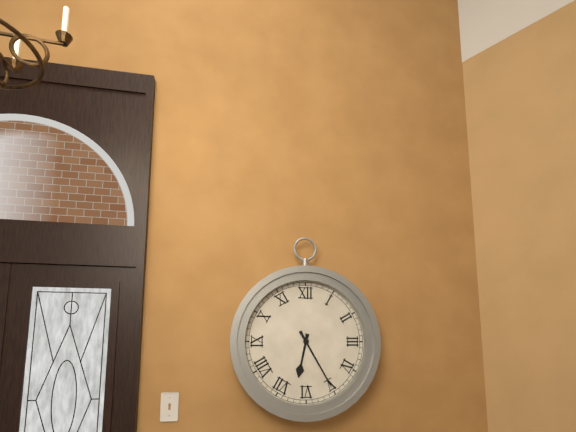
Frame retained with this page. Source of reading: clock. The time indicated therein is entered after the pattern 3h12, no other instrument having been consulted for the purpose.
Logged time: 6h25
